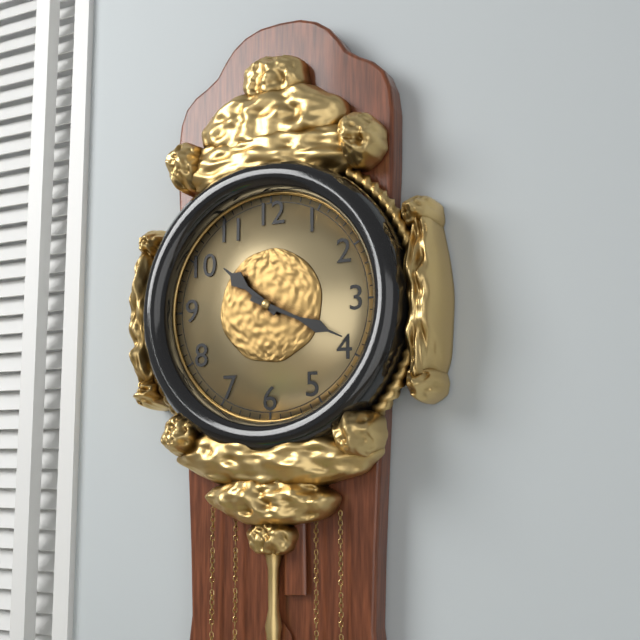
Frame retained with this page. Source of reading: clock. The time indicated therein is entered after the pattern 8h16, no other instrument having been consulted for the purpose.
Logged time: 10h19
